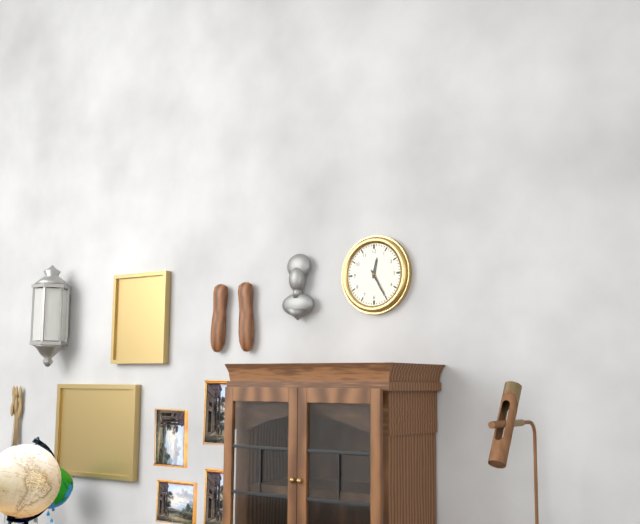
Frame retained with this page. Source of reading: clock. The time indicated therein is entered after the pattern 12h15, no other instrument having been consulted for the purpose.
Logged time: 12h25
